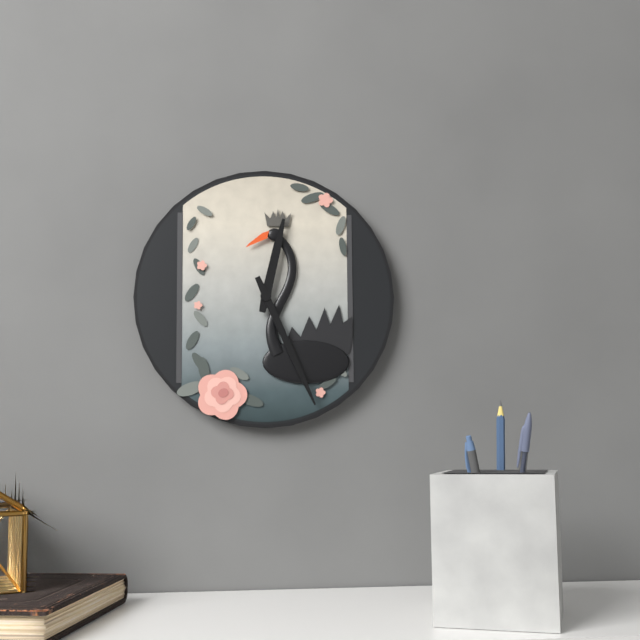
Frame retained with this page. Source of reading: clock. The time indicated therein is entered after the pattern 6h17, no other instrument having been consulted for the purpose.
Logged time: 12h26
